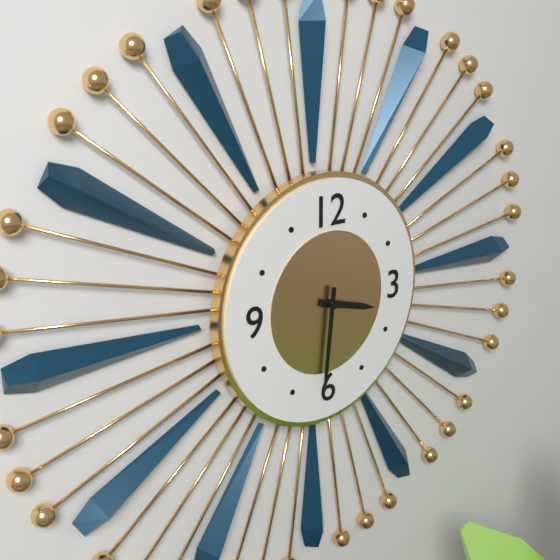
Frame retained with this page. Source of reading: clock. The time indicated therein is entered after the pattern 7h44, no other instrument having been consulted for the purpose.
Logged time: 3h31
